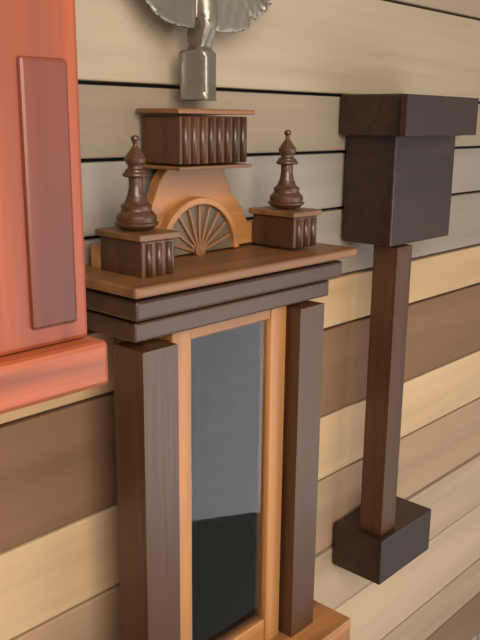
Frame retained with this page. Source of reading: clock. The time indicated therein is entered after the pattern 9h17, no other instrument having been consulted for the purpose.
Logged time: 5h20
